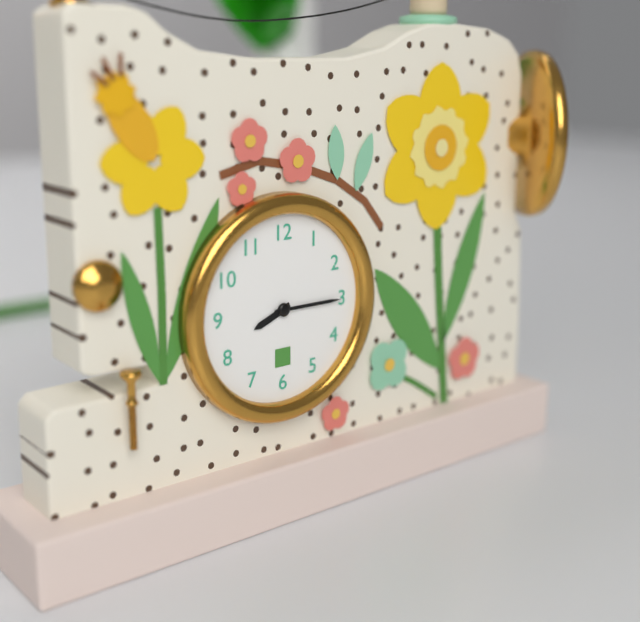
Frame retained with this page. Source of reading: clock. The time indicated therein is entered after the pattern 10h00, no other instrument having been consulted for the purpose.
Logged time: 8h15
